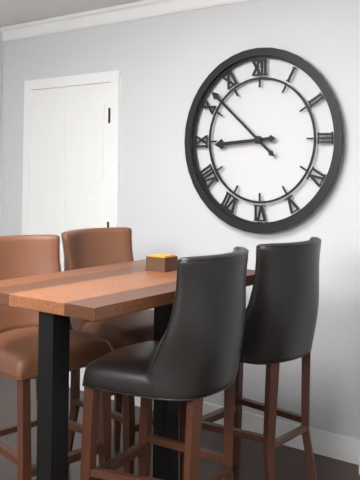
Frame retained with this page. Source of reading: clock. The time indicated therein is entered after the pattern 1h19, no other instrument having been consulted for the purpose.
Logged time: 8h52
